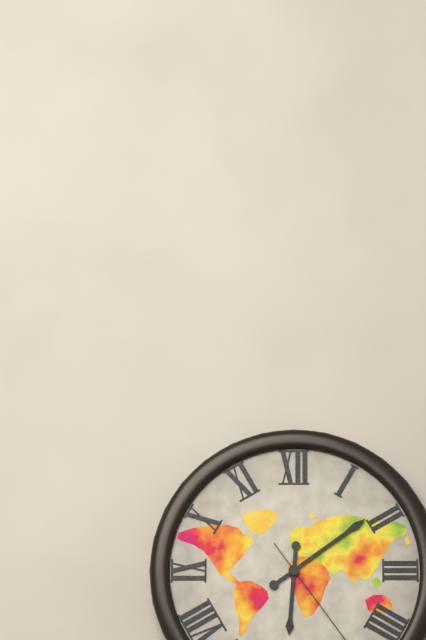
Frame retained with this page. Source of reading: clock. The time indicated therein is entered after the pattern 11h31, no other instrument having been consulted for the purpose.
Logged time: 6h09
